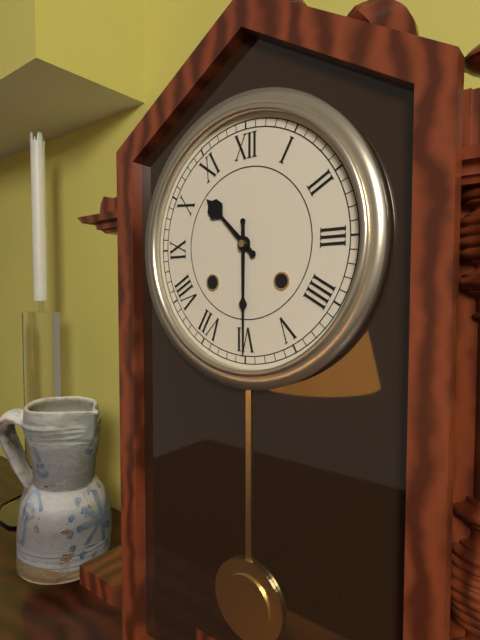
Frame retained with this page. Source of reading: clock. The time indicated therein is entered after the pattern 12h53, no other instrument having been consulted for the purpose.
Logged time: 10h30
